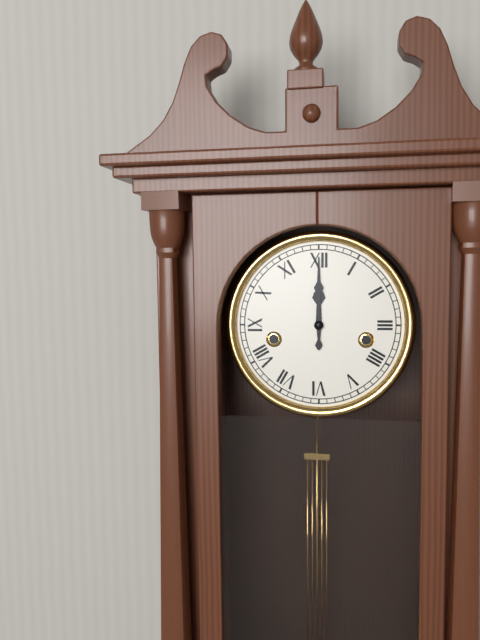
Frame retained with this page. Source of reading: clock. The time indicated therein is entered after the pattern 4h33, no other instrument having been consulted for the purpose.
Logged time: 12h00
